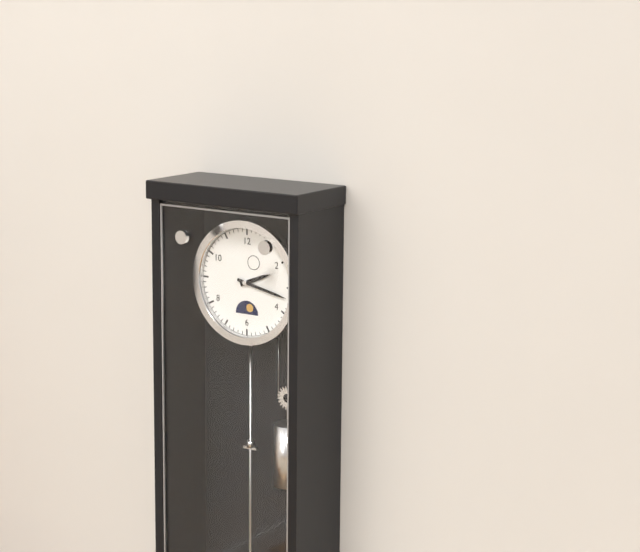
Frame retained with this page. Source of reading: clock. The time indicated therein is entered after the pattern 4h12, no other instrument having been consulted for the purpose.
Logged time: 2h17
